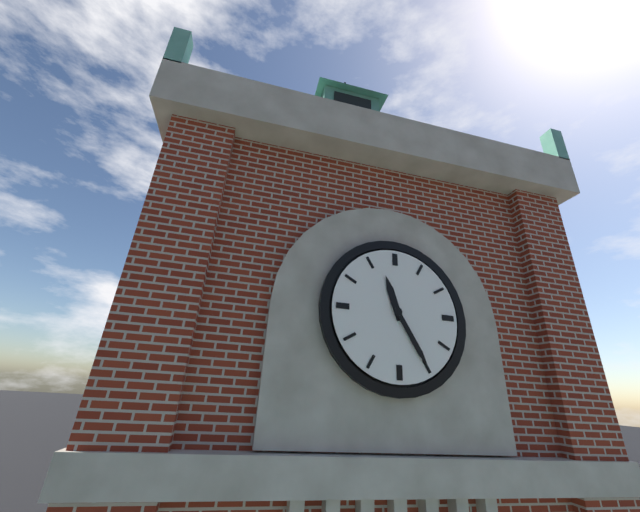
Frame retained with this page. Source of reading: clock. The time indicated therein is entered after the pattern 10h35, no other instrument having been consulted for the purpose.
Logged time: 11h25
